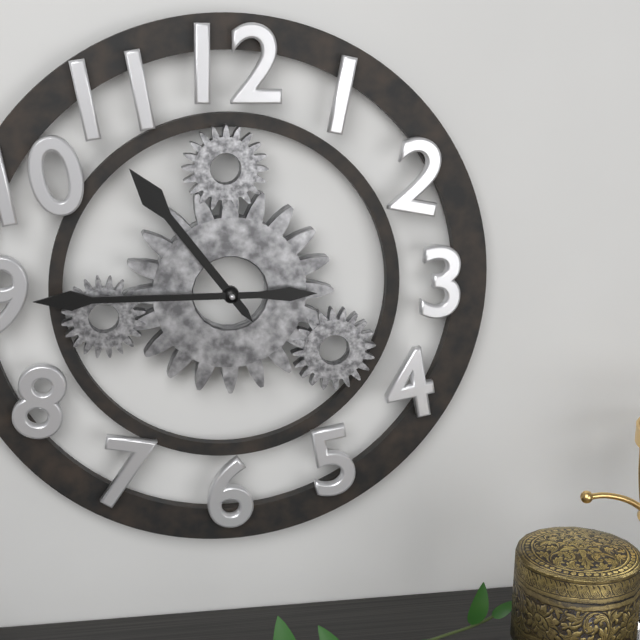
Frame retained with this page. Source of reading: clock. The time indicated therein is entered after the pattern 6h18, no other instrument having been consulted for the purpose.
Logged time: 10h45
